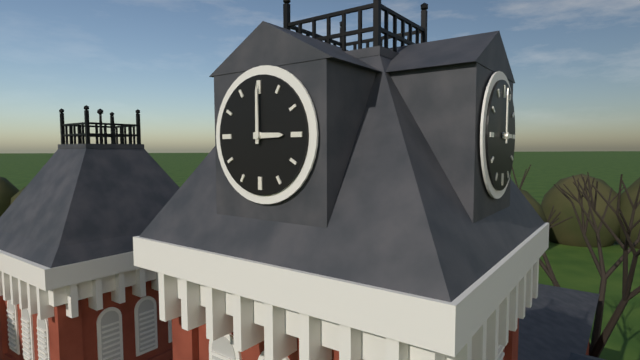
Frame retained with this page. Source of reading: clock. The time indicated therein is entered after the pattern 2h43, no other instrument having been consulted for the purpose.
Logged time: 3h00
